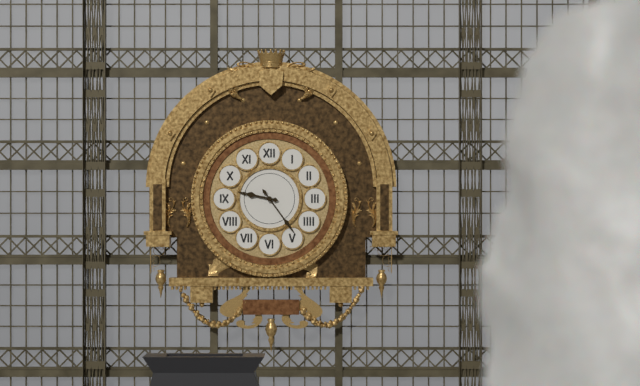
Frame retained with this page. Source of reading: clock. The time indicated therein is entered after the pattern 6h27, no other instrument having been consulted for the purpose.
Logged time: 9h24
